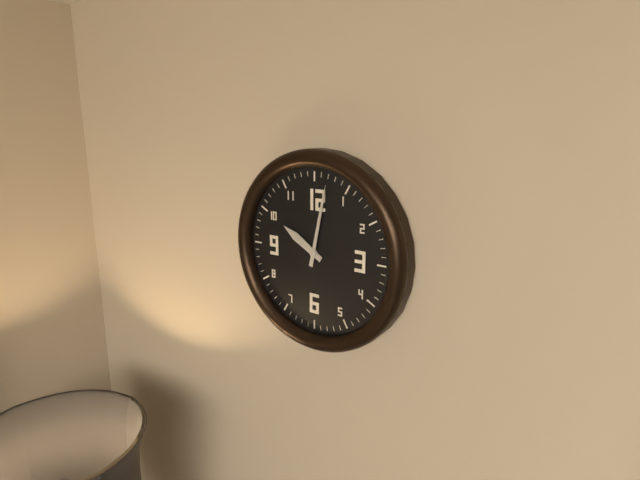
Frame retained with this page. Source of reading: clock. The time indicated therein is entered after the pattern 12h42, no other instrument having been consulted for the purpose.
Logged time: 10h02
